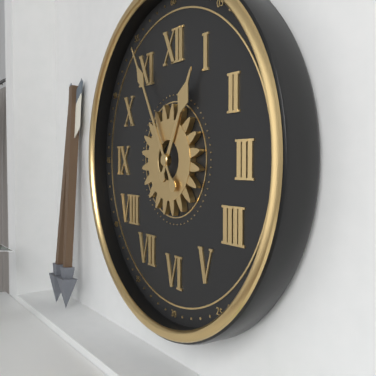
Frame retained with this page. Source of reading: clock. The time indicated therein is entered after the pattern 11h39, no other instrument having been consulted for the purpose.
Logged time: 12h55
